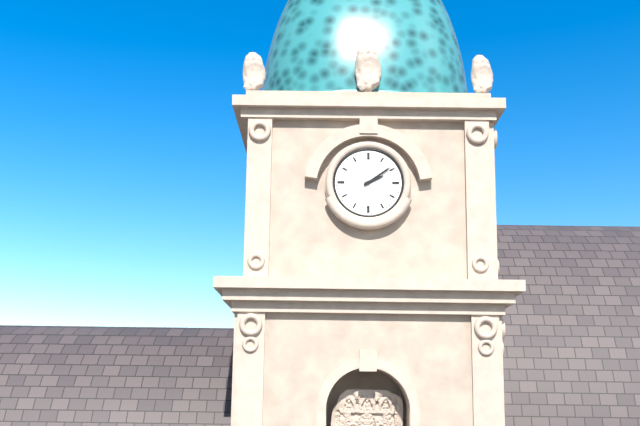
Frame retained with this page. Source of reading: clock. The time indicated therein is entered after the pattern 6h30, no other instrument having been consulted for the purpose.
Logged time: 2h09
